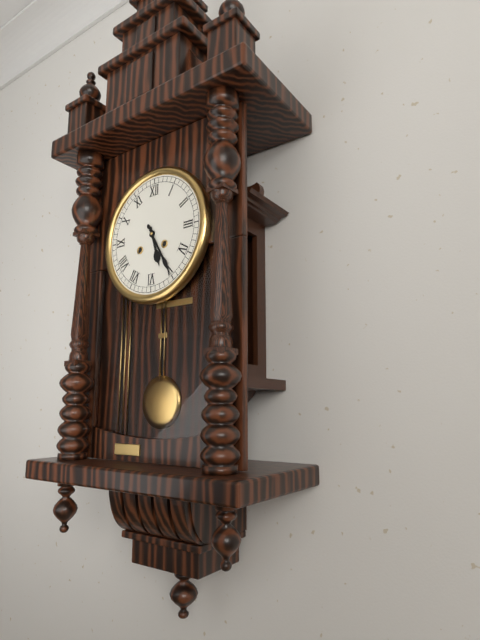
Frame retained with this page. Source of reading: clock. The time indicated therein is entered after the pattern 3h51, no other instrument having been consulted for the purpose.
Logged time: 5h25
